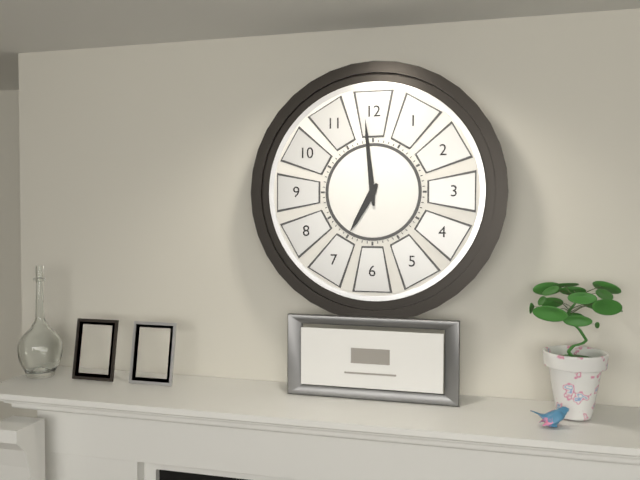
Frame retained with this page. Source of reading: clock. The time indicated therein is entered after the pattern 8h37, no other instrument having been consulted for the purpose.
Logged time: 6h59
